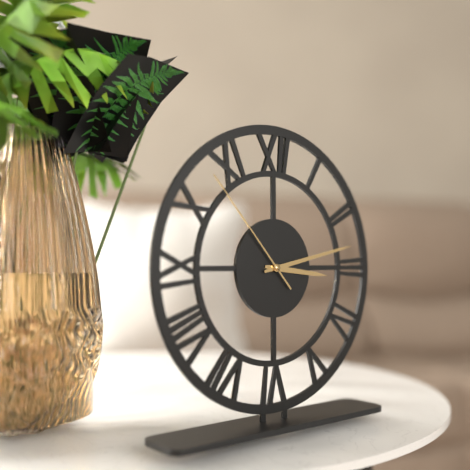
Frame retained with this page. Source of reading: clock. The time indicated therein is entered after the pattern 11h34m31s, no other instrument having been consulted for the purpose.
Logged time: 3h13m53s
